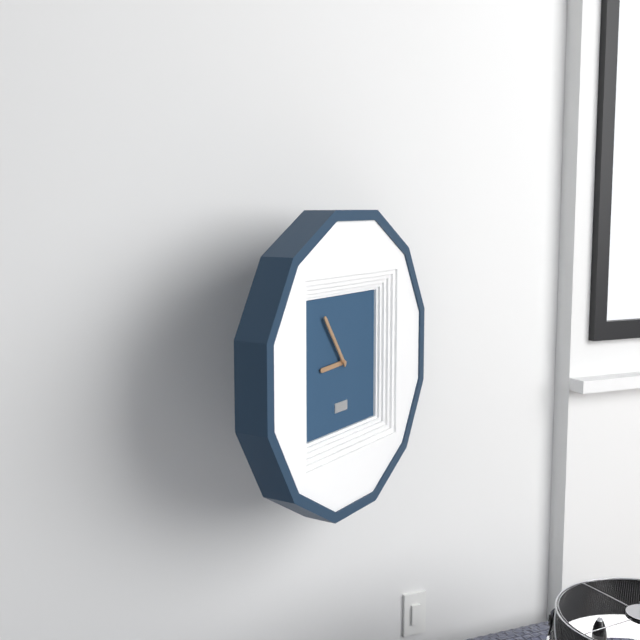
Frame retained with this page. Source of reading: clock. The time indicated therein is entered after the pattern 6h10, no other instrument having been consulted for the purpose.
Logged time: 8h54
